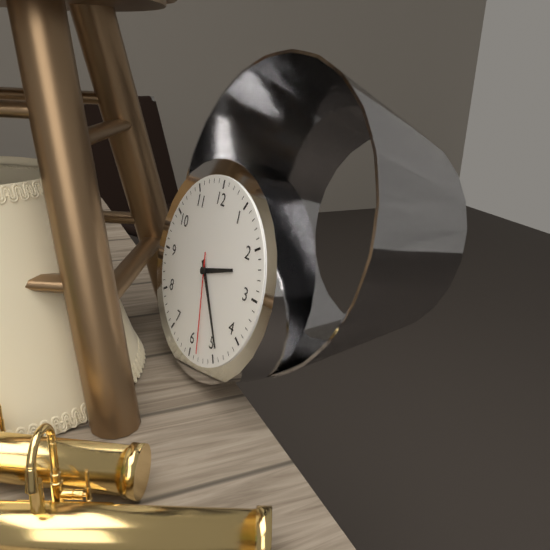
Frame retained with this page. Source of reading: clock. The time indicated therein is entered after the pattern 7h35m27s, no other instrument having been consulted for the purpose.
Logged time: 2h24m28s
